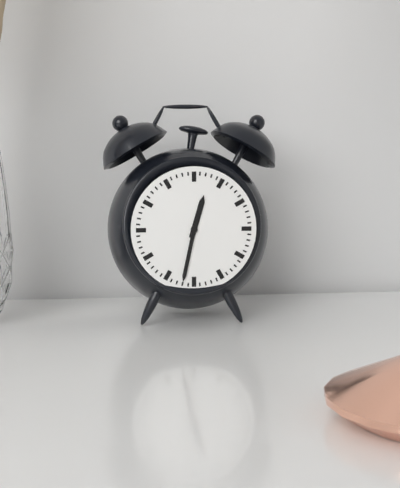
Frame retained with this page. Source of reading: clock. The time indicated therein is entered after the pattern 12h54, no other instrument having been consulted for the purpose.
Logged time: 12h32
